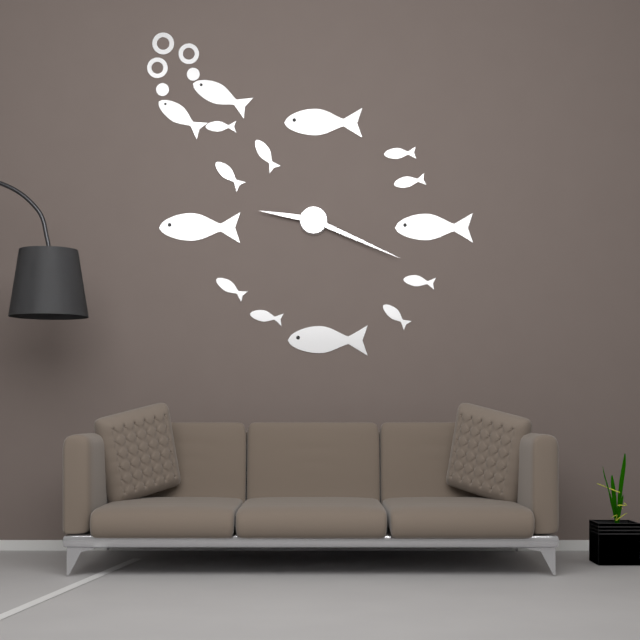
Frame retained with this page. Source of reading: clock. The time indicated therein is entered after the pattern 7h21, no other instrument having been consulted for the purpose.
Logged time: 9h19
